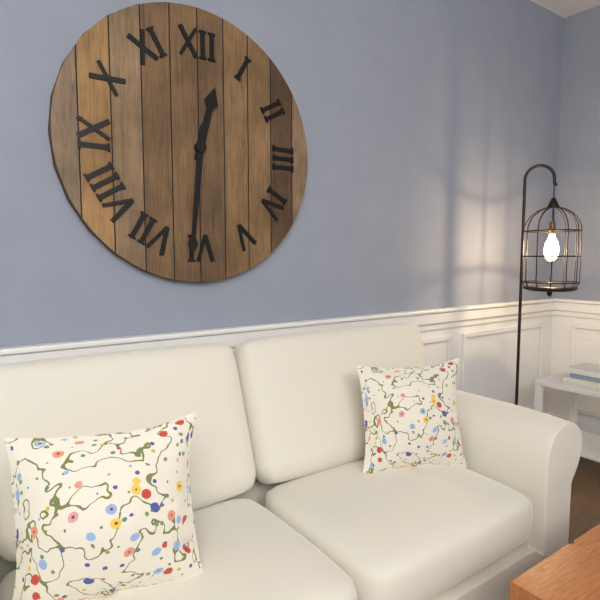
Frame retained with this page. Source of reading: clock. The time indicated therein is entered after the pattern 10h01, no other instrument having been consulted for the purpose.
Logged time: 12h31
